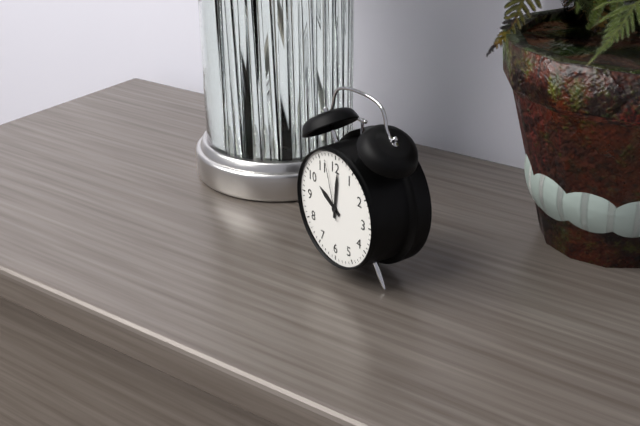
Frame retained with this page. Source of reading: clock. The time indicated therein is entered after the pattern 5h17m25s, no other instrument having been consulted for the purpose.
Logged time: 10h01m57s
